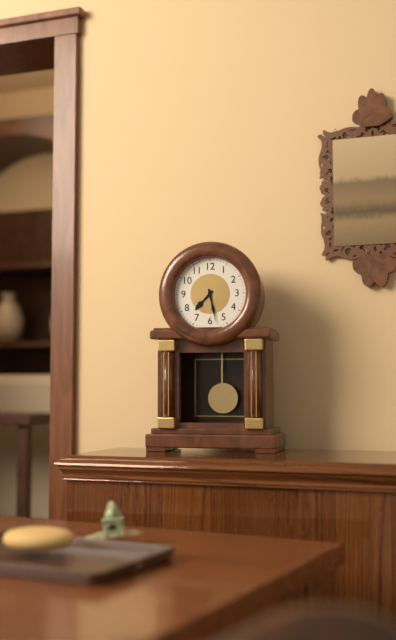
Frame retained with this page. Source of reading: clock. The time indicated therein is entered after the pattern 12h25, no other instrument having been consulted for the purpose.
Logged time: 7h28
